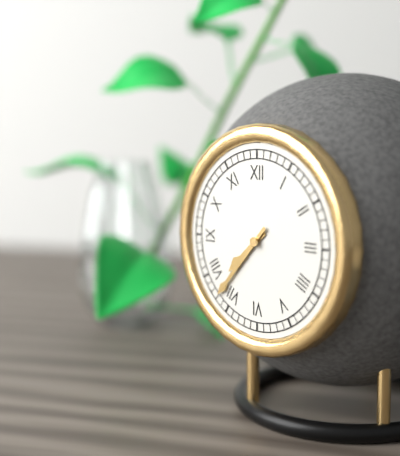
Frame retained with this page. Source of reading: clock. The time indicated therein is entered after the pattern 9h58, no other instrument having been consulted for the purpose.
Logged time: 7h37
